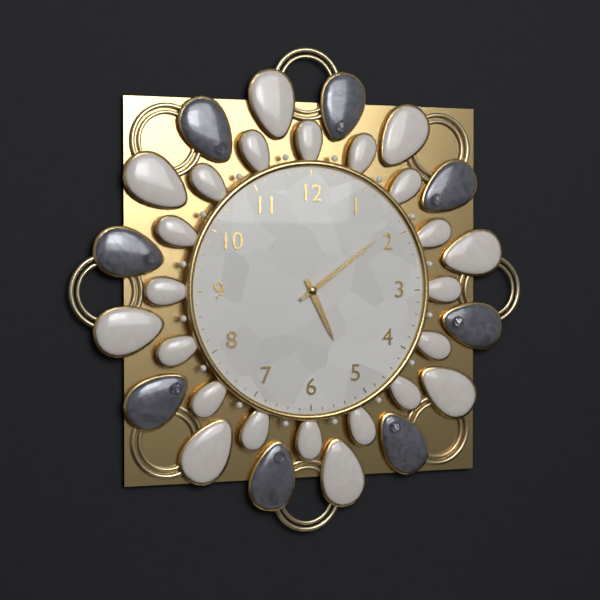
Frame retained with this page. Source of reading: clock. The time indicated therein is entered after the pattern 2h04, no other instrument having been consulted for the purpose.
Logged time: 5h09
